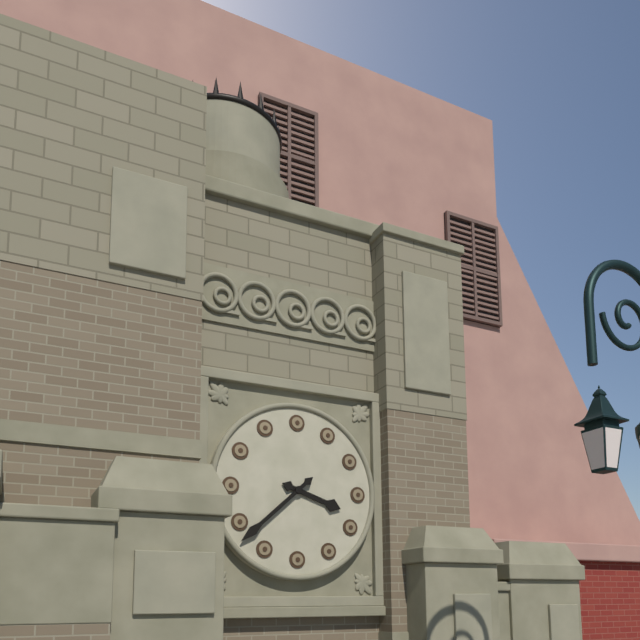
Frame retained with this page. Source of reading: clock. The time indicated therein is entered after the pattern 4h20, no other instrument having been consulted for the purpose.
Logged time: 3h38
